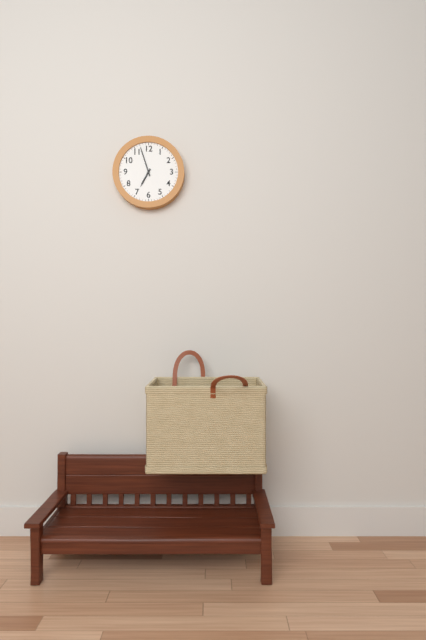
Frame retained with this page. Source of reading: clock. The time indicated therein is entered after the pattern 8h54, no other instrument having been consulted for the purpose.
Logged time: 6h57
